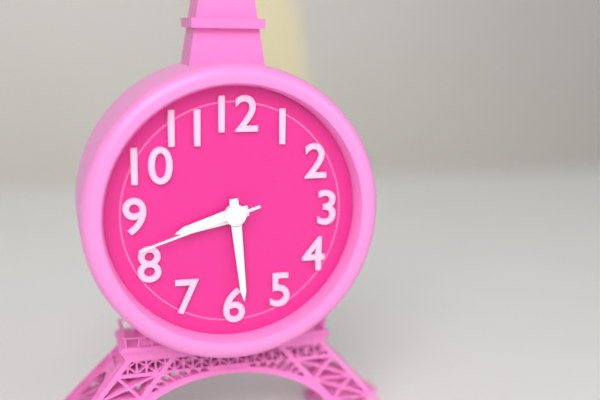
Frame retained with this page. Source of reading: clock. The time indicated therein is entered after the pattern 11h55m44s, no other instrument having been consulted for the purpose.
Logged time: 8h29m42s
